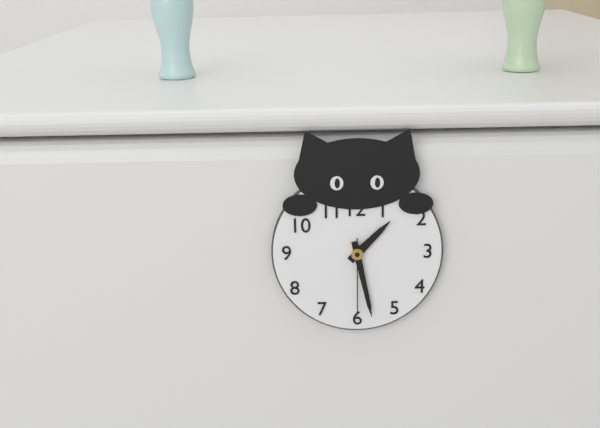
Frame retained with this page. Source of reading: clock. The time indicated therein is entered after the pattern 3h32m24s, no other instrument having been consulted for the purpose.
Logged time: 1h28m30s
